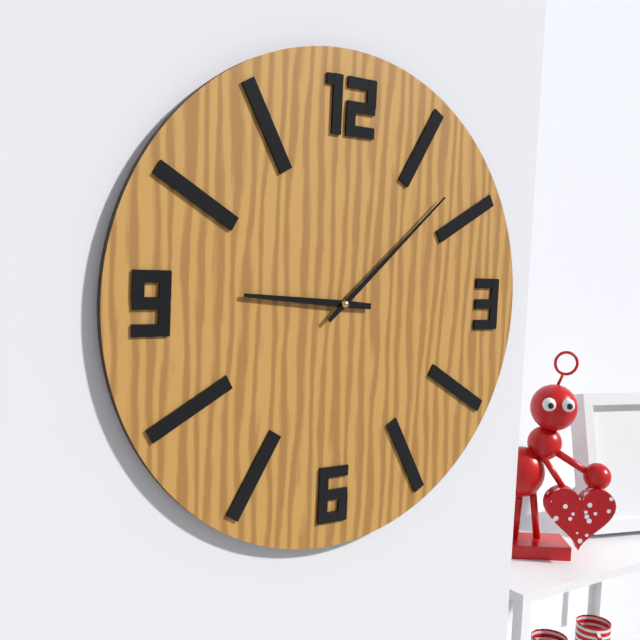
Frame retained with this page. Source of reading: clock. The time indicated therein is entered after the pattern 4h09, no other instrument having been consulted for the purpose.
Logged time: 9h08
